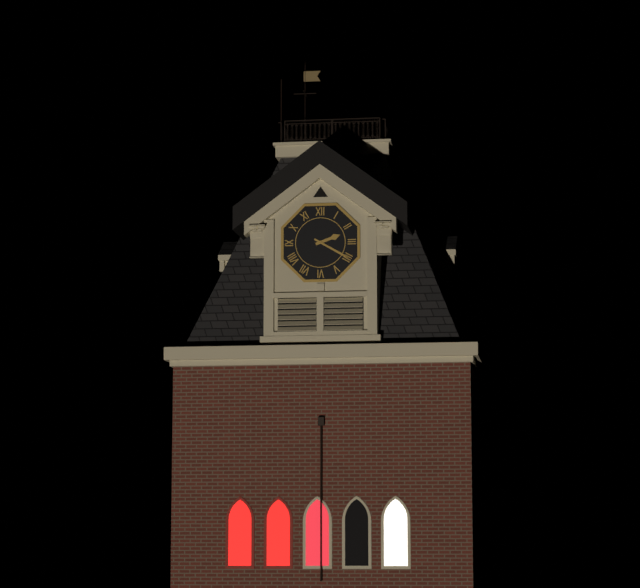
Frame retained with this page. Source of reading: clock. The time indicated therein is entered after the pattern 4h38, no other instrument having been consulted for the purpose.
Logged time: 2h20
